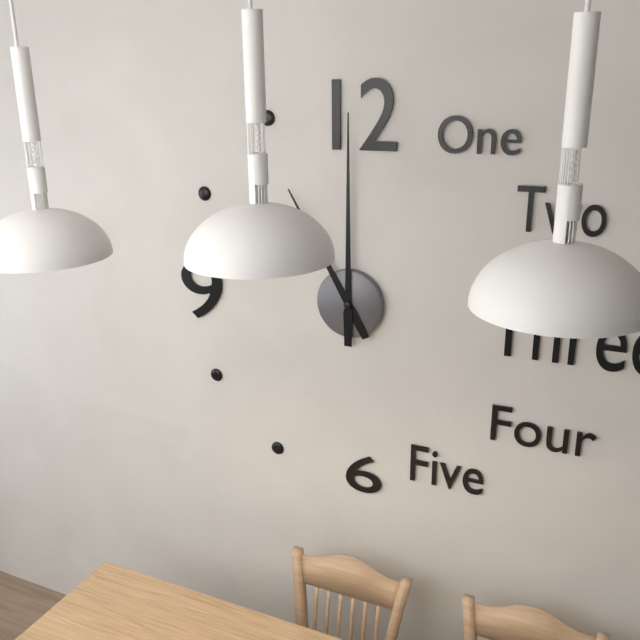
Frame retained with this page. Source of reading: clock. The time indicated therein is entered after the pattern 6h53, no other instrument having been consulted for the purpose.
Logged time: 11h00
